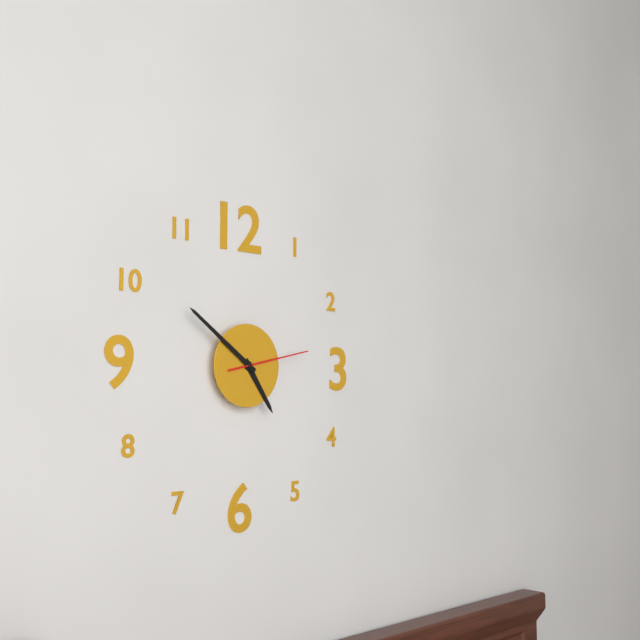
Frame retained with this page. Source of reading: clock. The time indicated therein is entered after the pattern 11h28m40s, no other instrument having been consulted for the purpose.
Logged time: 4h51m13s
